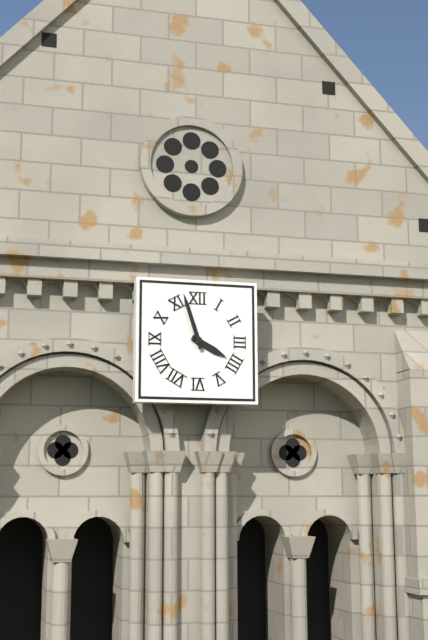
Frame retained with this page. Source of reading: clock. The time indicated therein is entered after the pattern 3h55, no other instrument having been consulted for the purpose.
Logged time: 3h57
